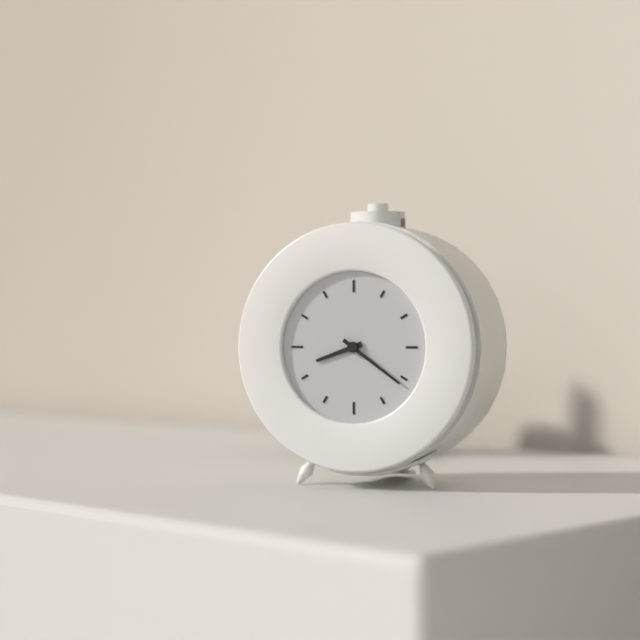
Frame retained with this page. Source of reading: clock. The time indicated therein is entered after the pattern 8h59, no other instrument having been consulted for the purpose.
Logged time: 8h21
